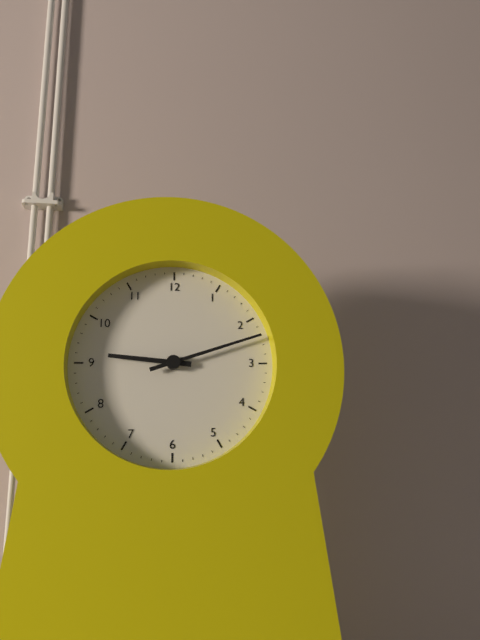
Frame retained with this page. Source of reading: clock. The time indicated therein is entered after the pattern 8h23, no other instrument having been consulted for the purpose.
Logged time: 9h12
